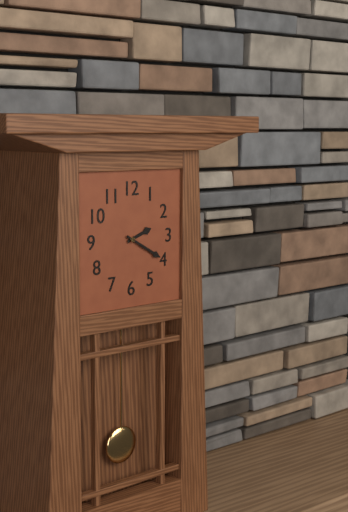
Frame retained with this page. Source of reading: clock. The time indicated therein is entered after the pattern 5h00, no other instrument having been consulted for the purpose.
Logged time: 2h20
